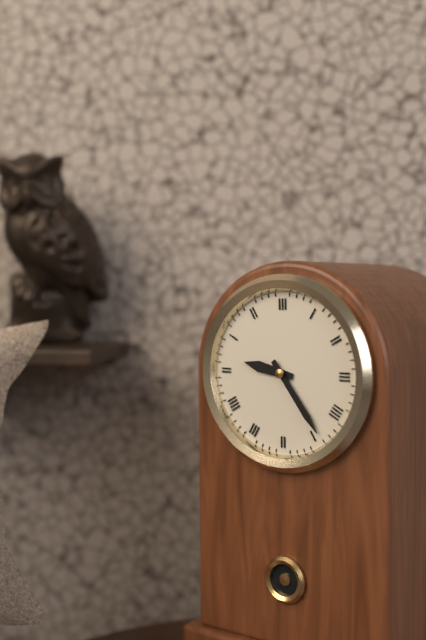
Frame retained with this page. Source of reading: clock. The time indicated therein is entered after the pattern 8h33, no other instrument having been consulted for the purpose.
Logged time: 9h24
